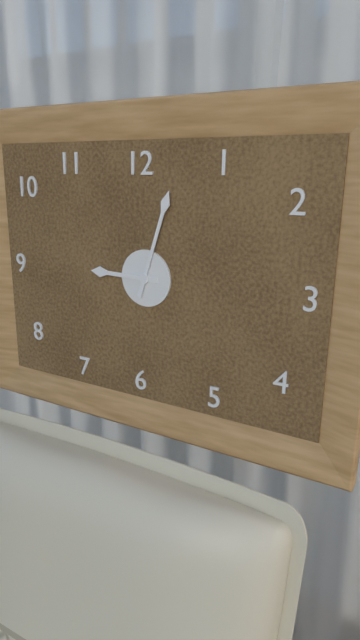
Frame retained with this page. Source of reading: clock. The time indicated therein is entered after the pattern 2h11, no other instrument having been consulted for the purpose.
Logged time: 9h03
